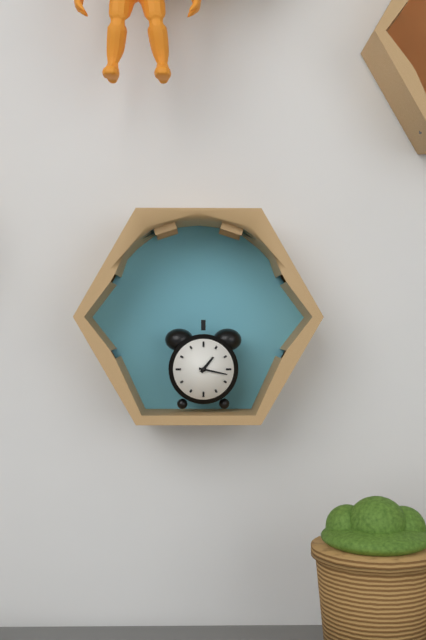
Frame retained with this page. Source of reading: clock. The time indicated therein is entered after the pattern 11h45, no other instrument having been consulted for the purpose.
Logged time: 1h17
